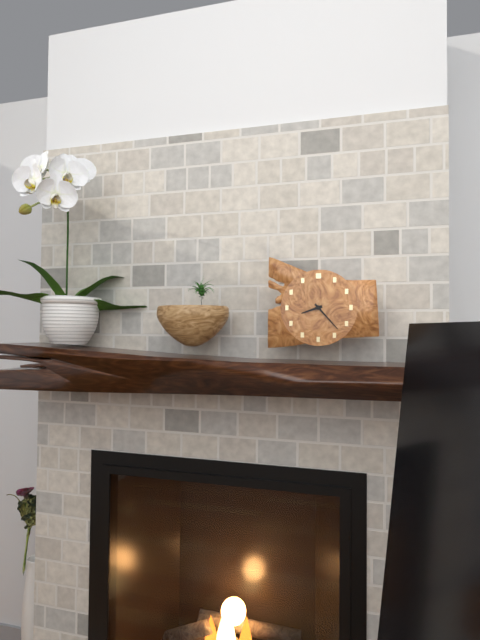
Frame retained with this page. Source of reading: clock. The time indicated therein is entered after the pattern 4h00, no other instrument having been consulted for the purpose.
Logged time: 8h23
